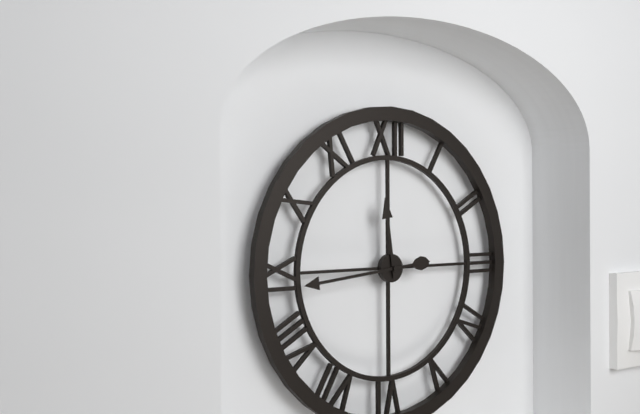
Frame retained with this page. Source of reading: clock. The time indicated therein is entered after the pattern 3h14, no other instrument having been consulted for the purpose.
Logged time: 11h44
